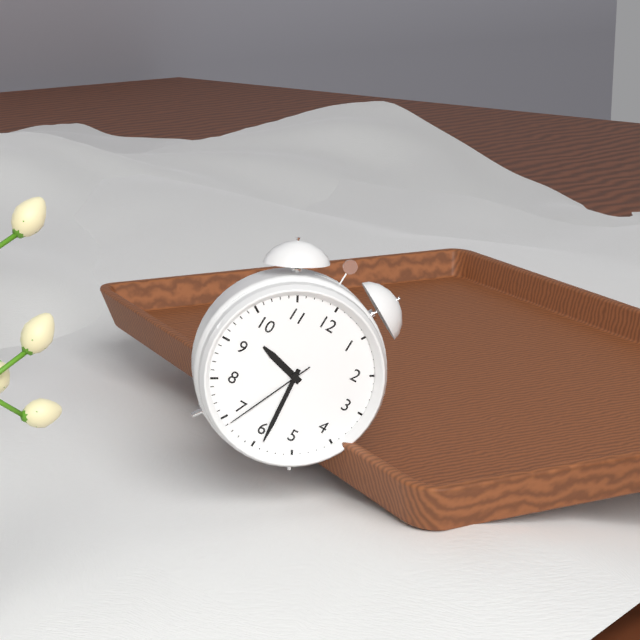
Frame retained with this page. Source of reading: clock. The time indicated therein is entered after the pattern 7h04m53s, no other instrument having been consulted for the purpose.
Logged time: 9h29m34s
